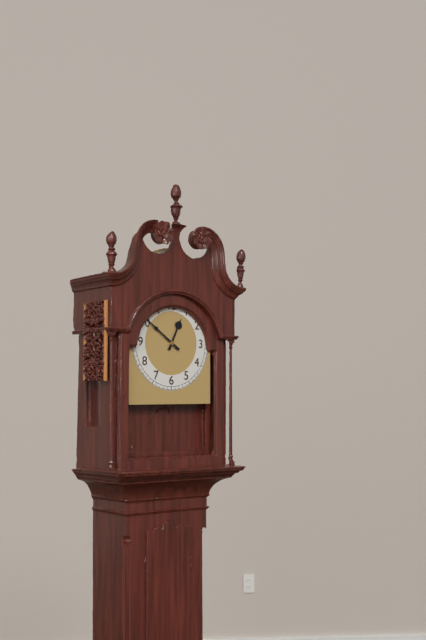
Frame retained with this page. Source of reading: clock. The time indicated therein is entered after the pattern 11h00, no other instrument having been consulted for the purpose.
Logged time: 12h51
